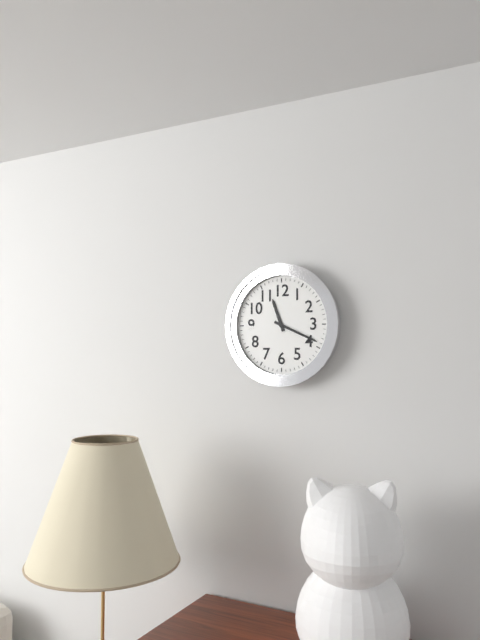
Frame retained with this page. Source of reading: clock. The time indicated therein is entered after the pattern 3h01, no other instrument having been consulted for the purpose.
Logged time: 11h19
